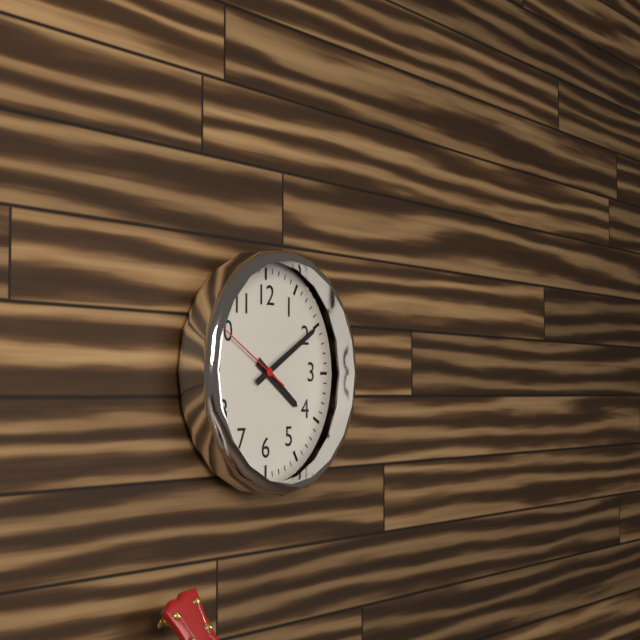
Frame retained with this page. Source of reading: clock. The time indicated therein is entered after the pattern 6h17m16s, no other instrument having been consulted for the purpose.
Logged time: 4h10m50s
